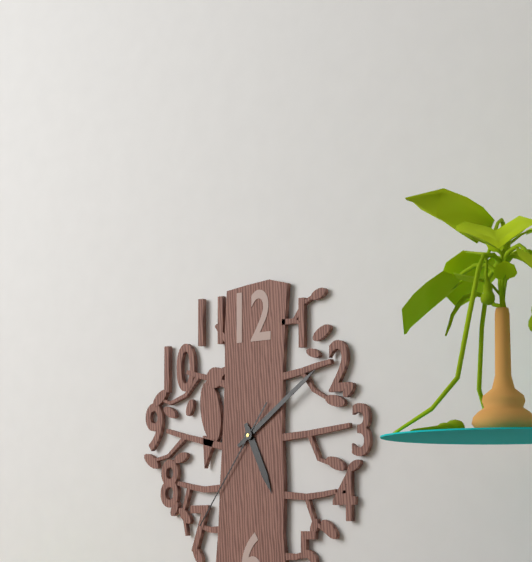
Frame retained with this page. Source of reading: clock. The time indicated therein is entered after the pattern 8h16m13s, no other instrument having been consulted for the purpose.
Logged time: 5h09m36s
